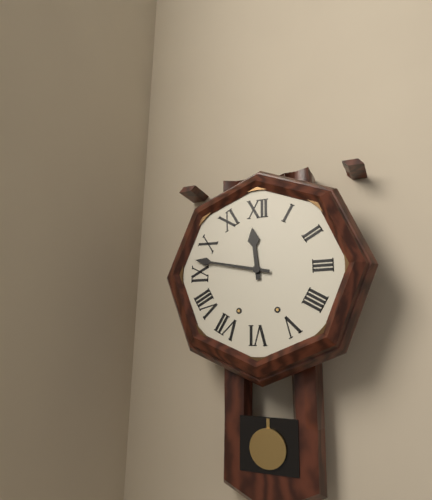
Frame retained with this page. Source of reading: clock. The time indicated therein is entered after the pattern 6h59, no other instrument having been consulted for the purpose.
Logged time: 11h47
